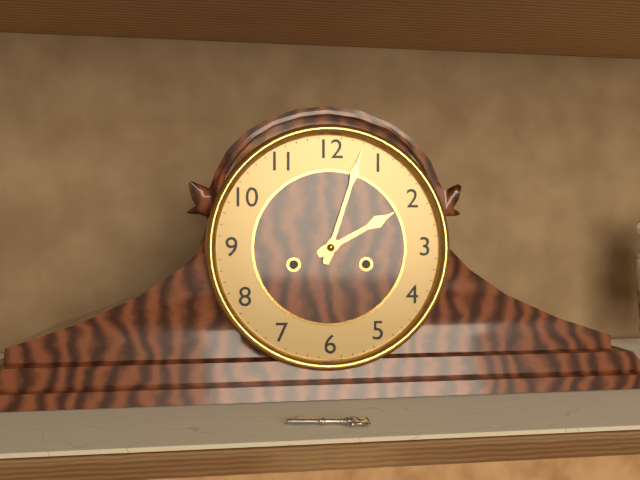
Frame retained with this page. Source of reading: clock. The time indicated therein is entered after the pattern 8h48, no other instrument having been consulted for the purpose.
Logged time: 2h03
